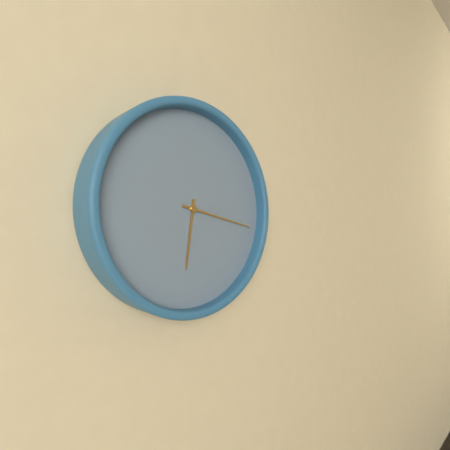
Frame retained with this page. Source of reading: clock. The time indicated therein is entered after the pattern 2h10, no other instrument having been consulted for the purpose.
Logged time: 6h17
